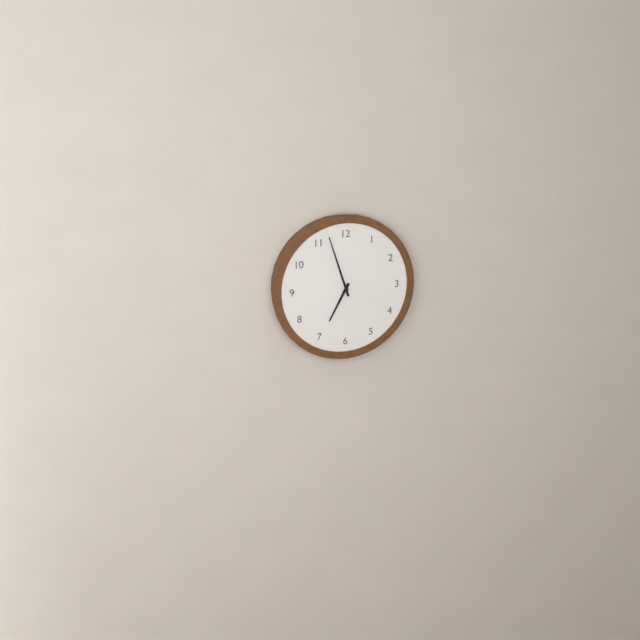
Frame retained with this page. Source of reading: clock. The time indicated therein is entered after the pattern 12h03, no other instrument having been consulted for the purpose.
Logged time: 6h57
